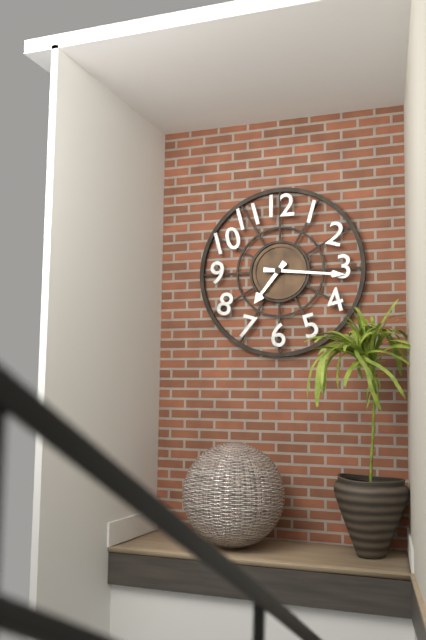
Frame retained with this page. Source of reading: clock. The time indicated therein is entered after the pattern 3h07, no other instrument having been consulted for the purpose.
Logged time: 7h16
